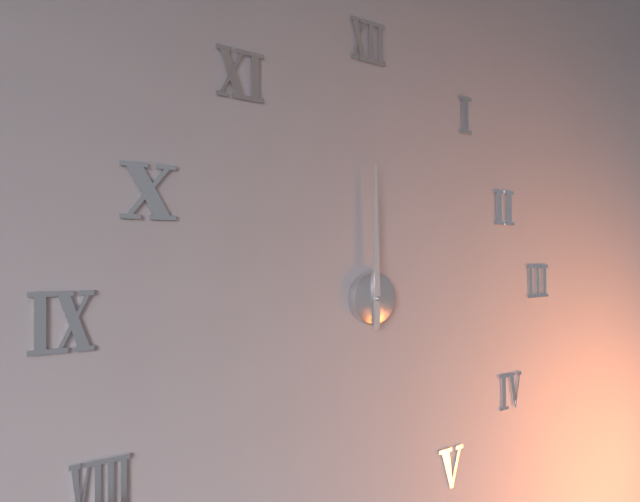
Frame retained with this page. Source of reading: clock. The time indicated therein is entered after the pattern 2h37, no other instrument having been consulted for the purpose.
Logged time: 12h00
